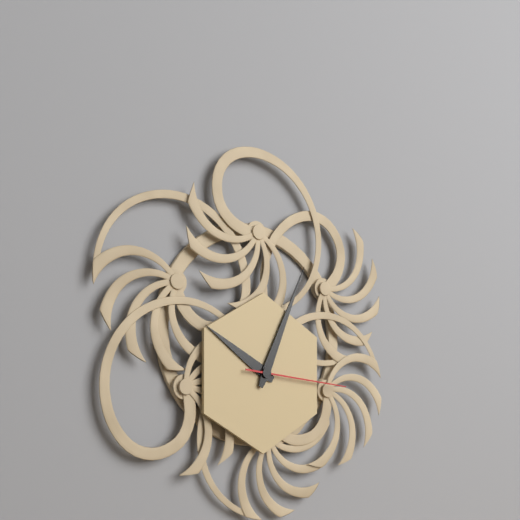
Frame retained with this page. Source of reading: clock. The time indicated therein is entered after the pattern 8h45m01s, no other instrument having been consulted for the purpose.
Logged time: 10h04m16s
